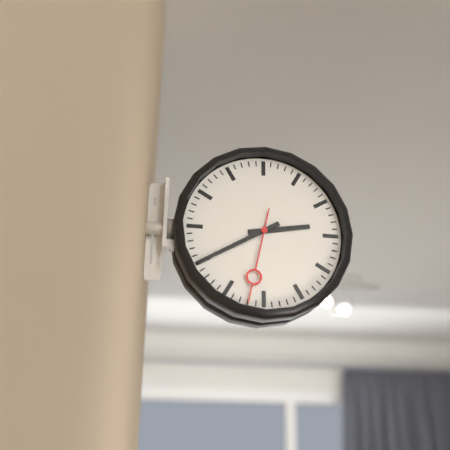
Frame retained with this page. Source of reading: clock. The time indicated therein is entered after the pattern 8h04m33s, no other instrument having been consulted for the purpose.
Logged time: 2h40m32s
